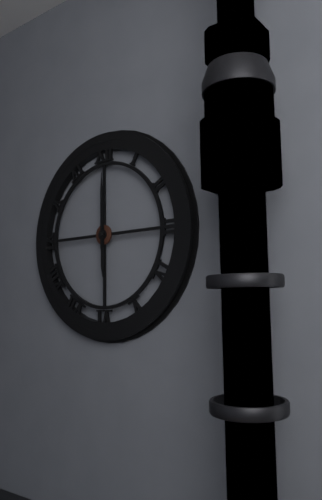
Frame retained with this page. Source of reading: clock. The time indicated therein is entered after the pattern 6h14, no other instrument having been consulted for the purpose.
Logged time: 6h00
